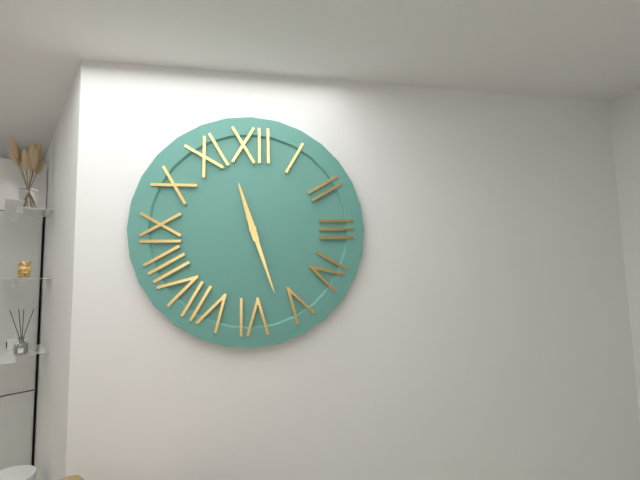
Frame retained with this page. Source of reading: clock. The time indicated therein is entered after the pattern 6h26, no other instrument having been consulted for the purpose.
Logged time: 11h27
